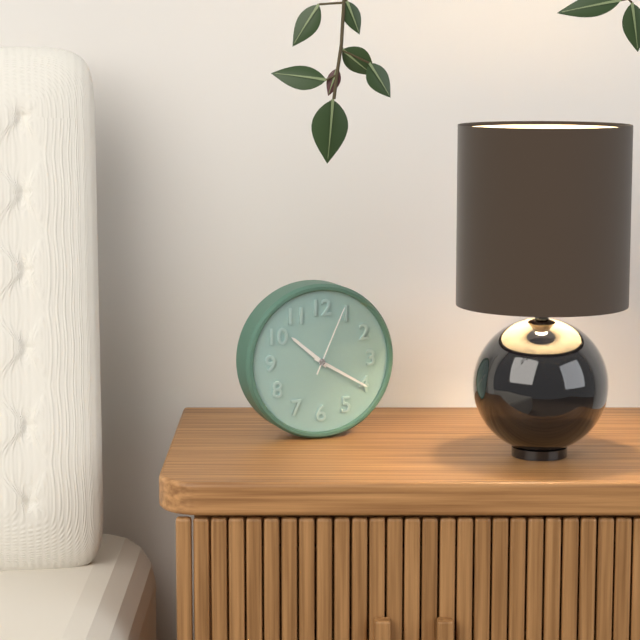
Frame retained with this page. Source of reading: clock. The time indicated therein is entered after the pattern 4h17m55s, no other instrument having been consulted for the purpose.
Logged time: 10h20m04s
